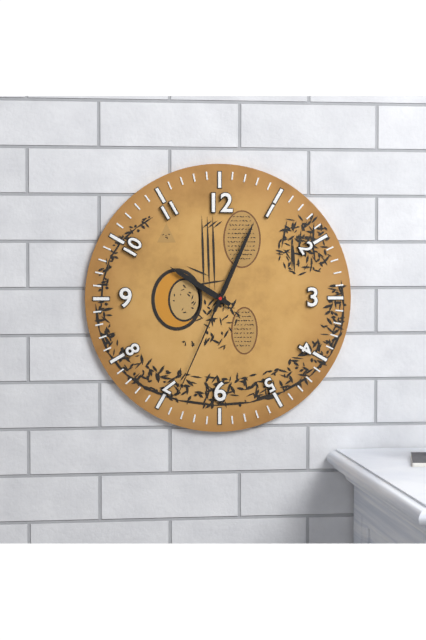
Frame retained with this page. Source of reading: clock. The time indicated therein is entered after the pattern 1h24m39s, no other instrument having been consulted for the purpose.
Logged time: 10h04m34s
